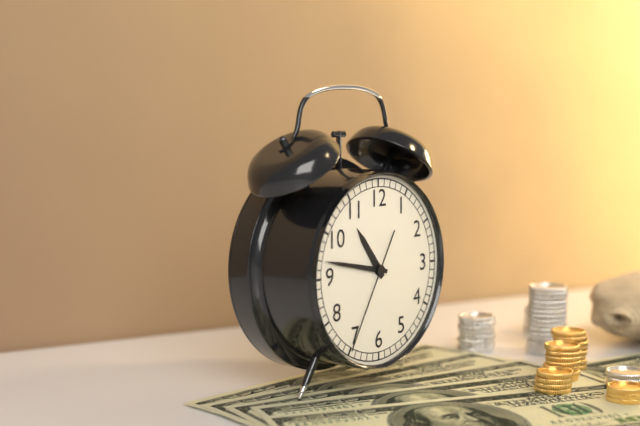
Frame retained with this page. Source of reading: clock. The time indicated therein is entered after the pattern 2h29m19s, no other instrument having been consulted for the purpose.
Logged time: 10h47m35s
